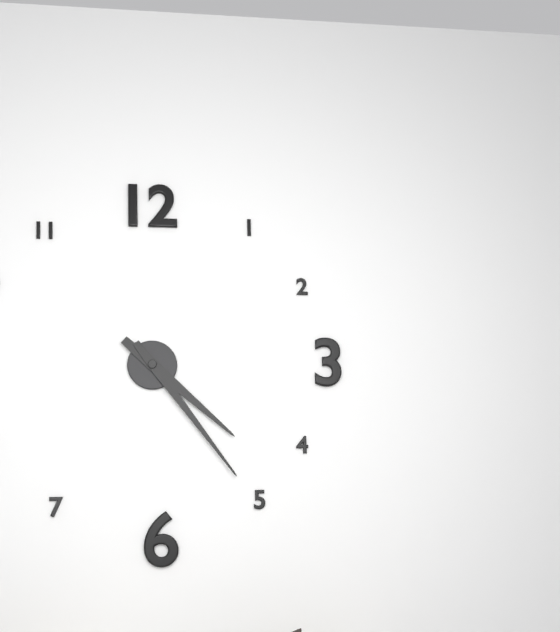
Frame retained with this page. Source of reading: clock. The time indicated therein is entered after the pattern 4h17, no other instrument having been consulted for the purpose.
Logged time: 4h24
